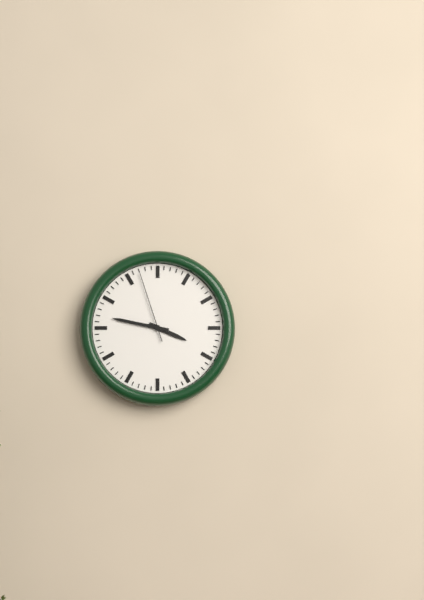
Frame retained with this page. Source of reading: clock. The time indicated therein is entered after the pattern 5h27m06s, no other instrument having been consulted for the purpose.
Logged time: 3h47m57s
